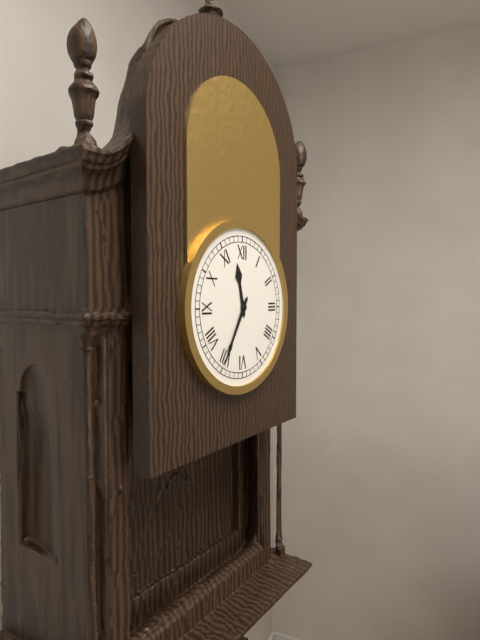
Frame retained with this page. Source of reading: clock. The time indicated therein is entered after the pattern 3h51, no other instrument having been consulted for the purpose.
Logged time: 11h35
